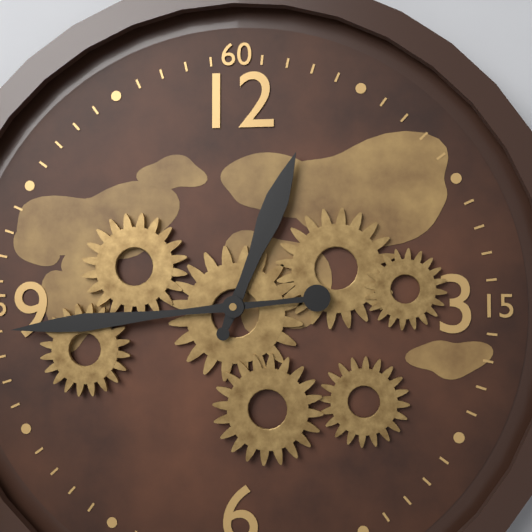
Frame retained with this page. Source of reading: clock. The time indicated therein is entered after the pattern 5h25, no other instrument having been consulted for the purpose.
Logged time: 12h44
